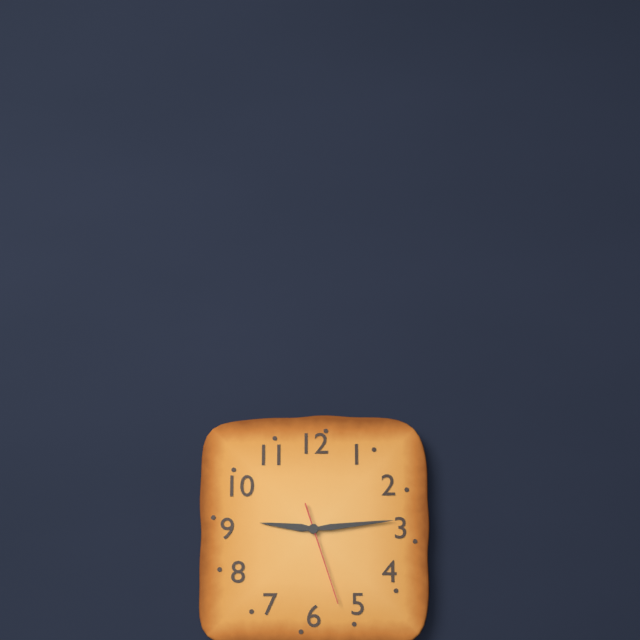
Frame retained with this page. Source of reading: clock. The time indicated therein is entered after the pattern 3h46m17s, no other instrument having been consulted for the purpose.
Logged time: 9h14m27s
